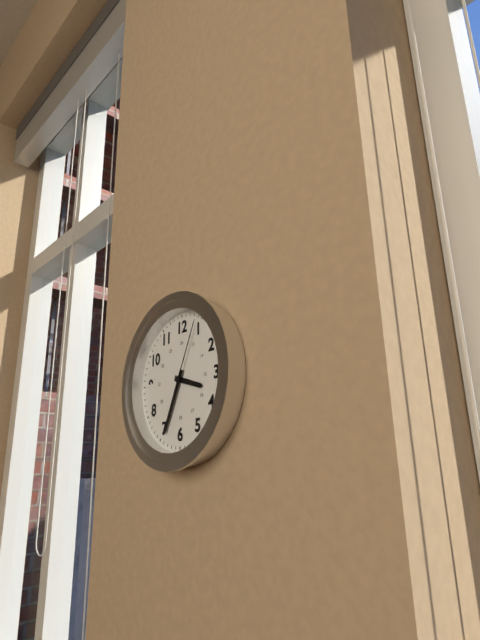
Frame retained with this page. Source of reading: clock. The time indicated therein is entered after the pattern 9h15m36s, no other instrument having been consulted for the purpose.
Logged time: 3h34m04s
